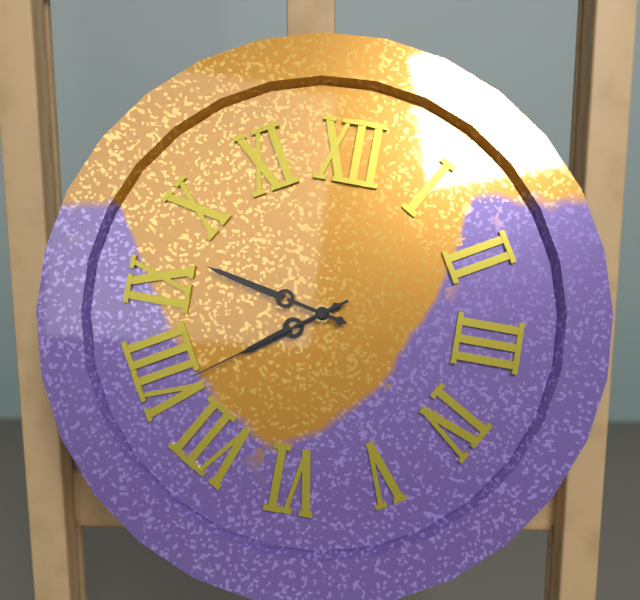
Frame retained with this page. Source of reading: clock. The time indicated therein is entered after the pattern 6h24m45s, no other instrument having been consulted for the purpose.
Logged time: 7h47m39s
